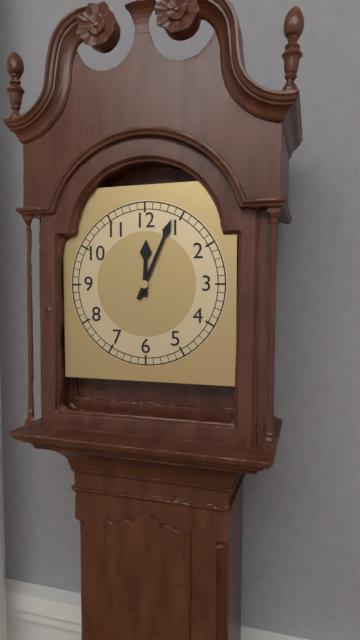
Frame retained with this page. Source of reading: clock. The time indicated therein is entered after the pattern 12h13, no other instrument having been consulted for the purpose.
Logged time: 12h04
